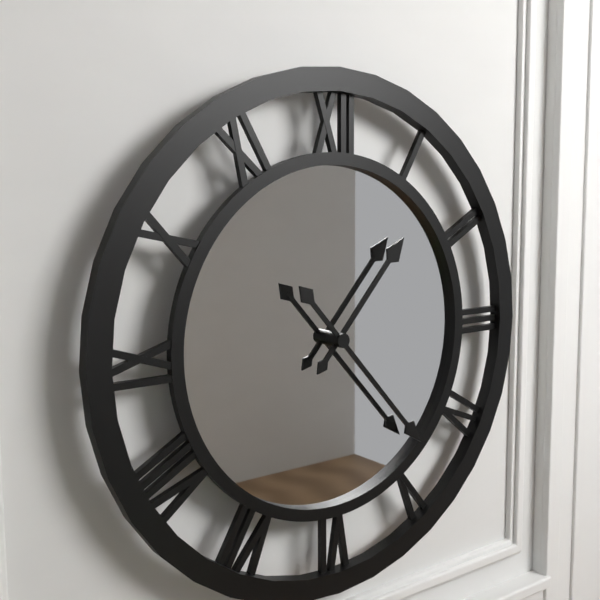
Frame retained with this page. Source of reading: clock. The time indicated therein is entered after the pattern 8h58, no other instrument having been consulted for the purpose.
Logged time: 1h23
